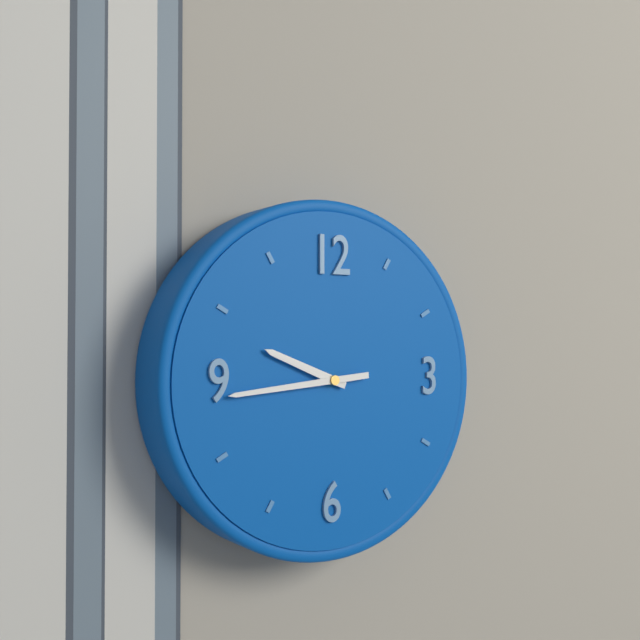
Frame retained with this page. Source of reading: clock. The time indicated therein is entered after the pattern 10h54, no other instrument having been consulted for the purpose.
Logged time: 9h44
